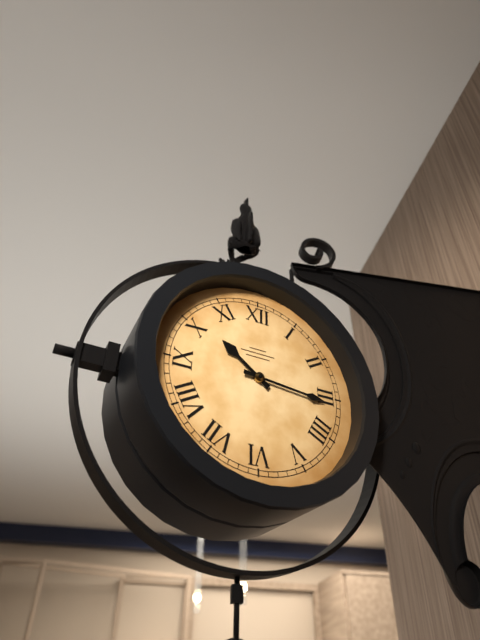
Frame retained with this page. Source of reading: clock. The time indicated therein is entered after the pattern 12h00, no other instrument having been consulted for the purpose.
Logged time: 10h16
